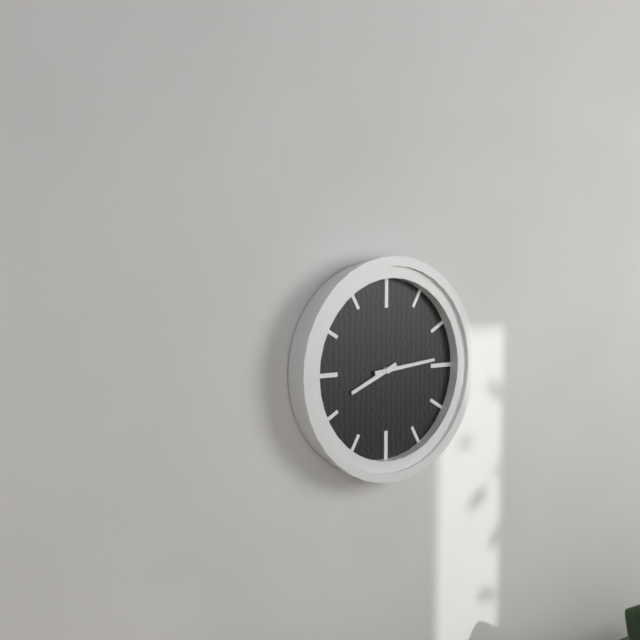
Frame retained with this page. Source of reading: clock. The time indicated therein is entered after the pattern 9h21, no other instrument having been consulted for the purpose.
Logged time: 8h14
